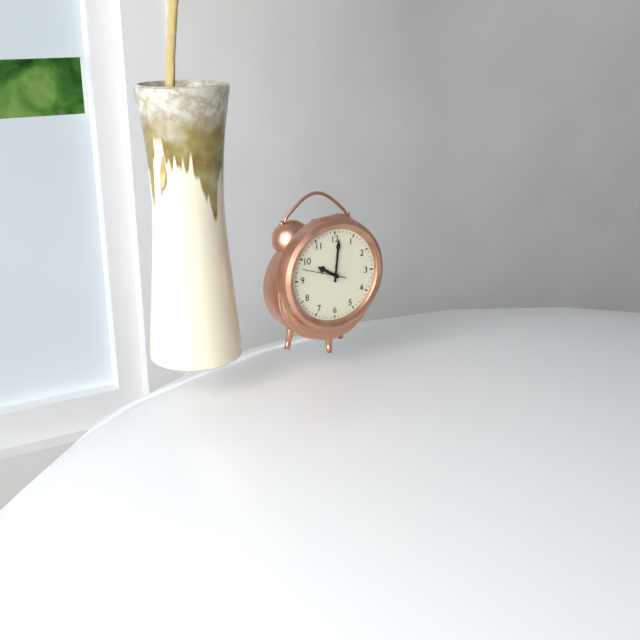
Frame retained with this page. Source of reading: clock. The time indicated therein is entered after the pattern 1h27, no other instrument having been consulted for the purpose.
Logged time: 10h01
